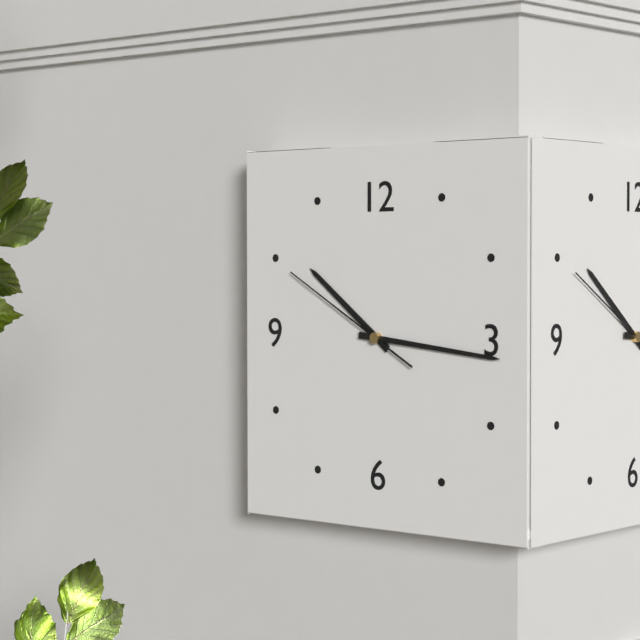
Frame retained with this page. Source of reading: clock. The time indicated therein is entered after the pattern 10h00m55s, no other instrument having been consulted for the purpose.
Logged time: 10h16m50s
